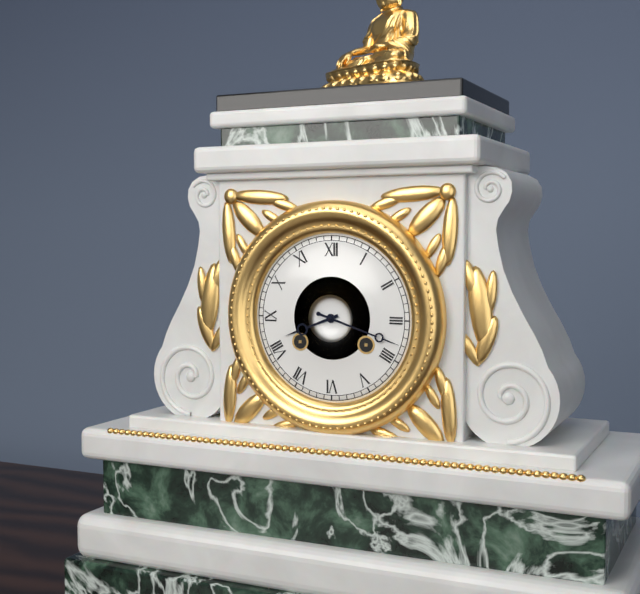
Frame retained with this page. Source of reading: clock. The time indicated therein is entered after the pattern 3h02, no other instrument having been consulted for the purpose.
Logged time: 8h18
